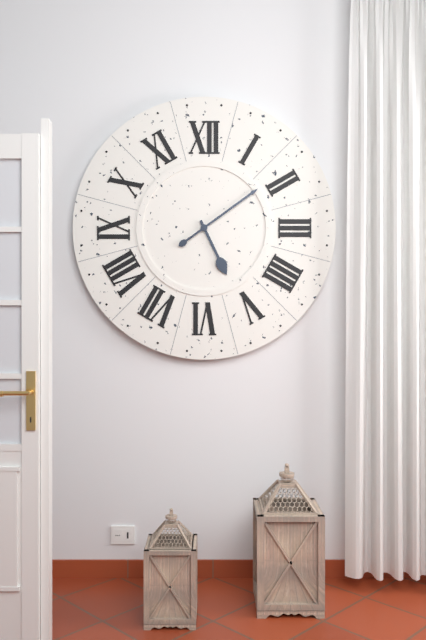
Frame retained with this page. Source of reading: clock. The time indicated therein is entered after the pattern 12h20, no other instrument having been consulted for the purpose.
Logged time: 5h09
